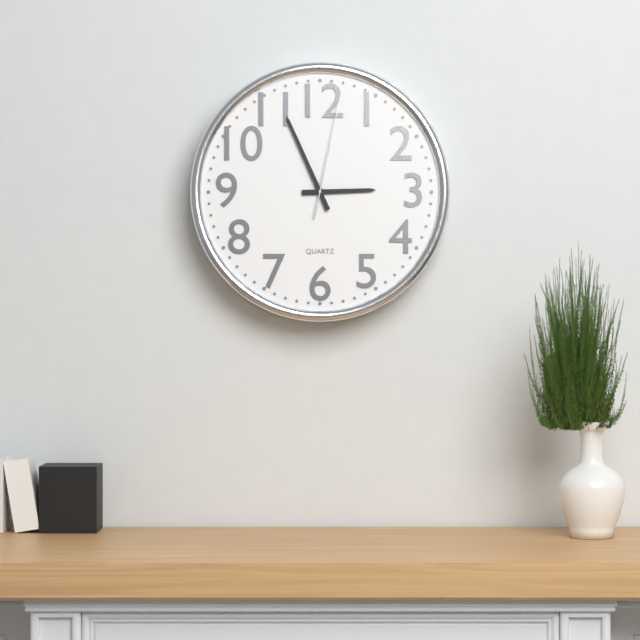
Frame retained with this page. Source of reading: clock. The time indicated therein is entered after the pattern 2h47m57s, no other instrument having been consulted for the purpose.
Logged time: 2h56m02s
